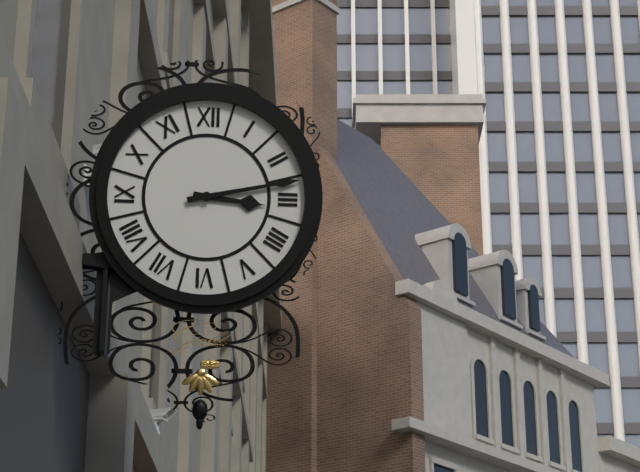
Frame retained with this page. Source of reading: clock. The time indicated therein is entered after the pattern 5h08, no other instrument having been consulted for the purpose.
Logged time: 3h13
